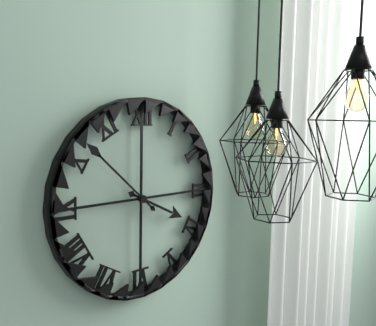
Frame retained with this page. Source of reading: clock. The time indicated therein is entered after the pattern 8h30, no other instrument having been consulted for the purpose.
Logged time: 3h52
